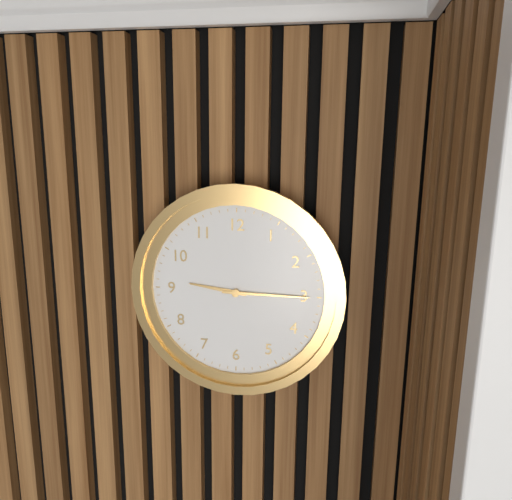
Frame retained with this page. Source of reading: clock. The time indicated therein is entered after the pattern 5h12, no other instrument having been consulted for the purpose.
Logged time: 9h15
